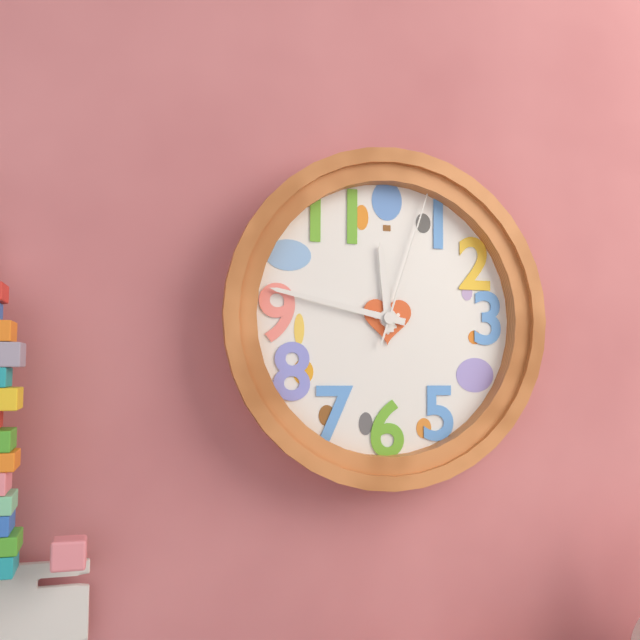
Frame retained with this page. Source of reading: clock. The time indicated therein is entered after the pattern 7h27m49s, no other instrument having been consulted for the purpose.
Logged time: 11h47m03s
